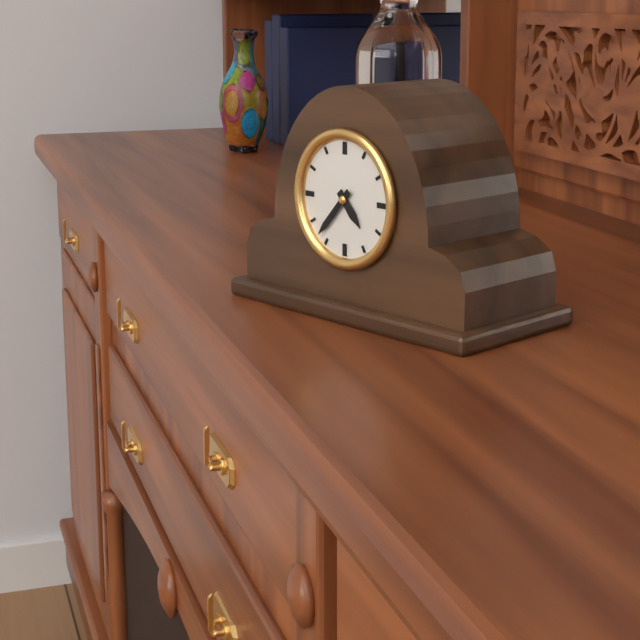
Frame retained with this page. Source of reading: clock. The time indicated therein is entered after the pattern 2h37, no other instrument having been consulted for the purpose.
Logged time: 4h37
